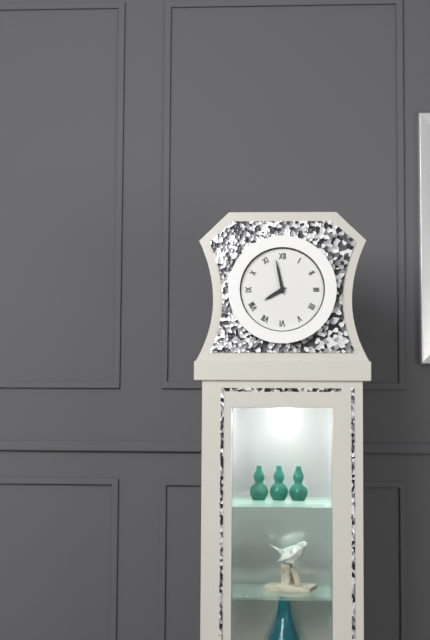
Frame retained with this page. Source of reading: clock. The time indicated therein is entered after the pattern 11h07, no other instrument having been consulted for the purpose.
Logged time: 7h58
